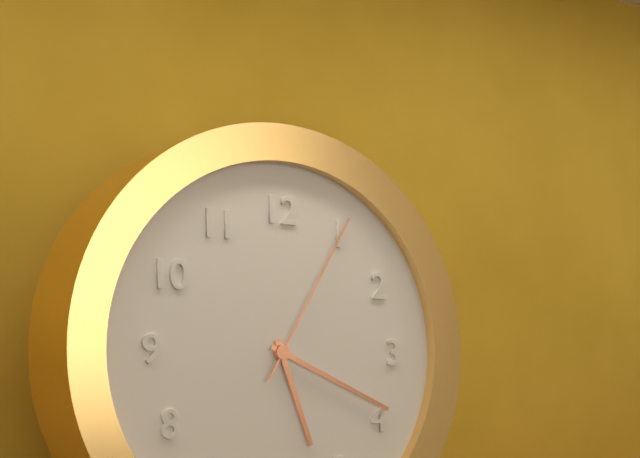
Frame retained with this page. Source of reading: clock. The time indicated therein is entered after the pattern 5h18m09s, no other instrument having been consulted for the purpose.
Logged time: 5h19m05s
